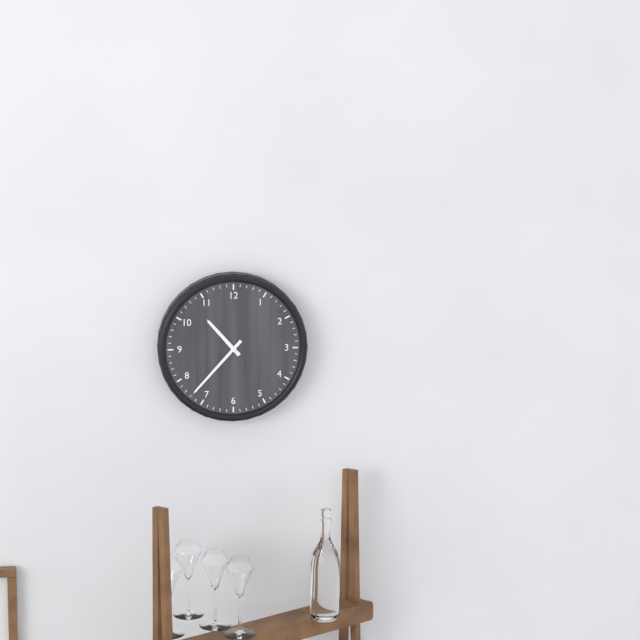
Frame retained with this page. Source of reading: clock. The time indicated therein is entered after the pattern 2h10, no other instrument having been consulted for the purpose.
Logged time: 10h37
